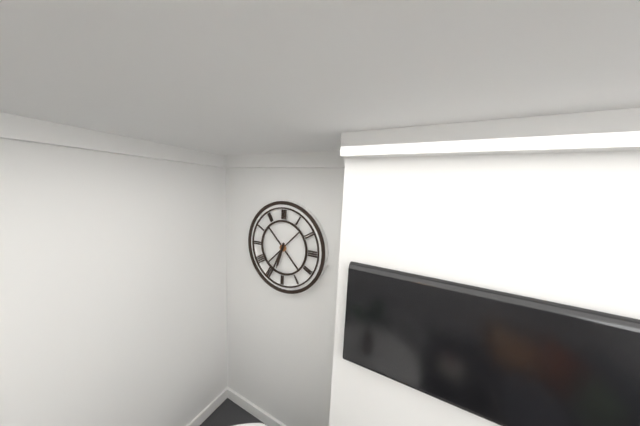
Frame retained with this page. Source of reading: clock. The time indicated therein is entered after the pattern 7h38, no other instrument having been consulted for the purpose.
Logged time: 6h34
